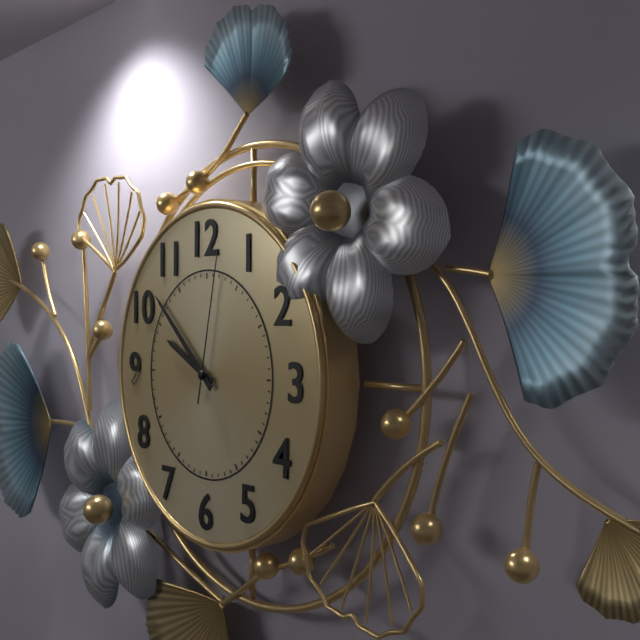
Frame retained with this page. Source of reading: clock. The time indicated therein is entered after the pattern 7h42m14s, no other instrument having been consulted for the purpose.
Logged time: 9h52m02s
